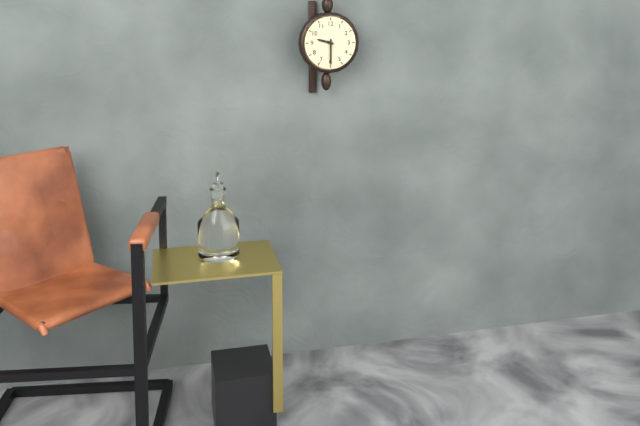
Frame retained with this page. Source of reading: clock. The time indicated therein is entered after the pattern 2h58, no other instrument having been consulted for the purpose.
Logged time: 9h30
